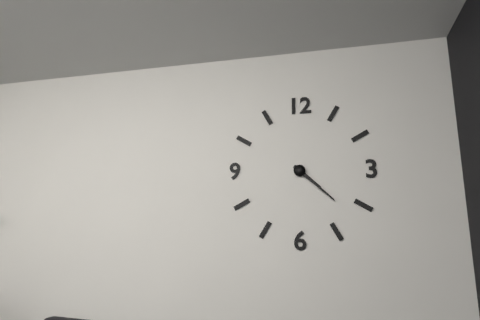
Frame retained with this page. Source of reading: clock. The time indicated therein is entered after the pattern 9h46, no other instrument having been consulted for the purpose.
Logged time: 4h22
